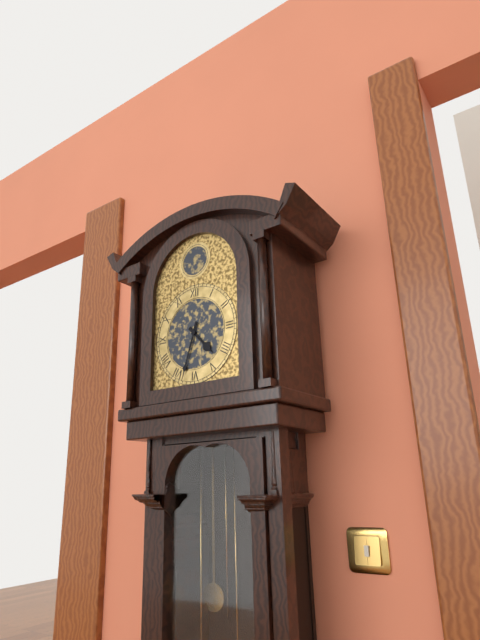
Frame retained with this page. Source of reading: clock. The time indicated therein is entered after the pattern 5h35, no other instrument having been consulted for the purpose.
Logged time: 4h33
